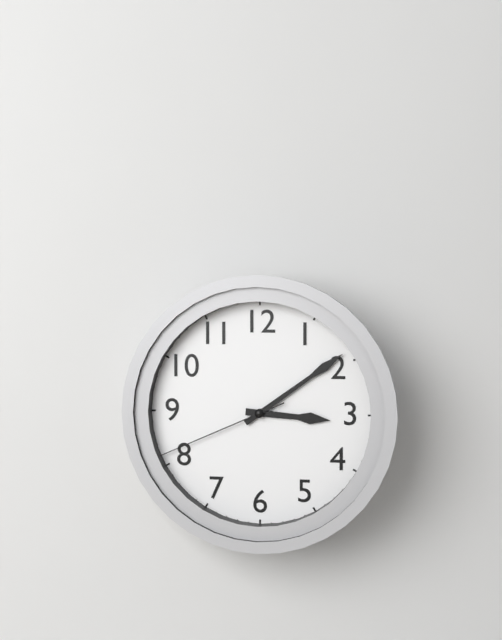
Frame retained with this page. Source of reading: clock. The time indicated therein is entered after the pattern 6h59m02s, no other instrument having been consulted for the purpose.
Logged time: 3h09m41s
